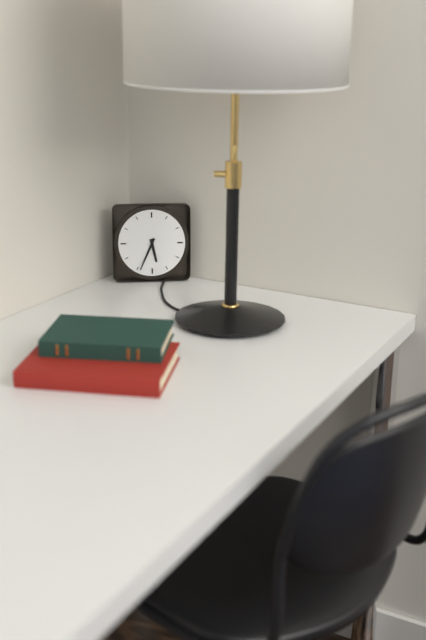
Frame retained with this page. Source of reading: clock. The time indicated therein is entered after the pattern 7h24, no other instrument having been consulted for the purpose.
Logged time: 5h34
